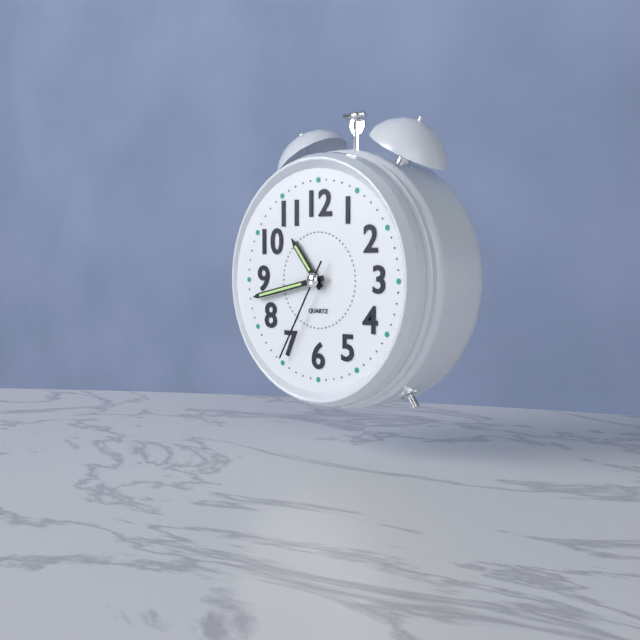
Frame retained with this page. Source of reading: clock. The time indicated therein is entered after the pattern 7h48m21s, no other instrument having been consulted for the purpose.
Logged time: 10h43m35s
